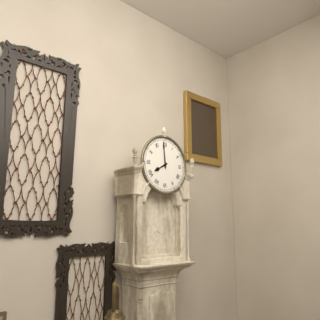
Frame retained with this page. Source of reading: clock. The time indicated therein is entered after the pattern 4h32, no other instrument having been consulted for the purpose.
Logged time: 7h59
